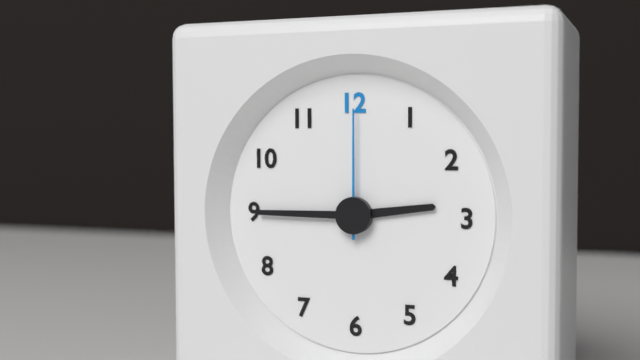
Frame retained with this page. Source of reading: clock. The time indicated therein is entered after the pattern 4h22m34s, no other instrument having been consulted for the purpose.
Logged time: 2h45m00s
